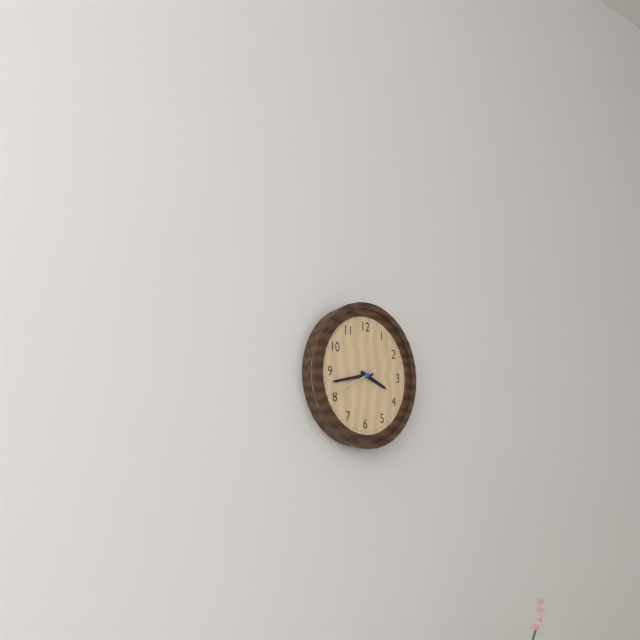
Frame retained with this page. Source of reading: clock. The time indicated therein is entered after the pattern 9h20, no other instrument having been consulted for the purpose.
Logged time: 3h43
